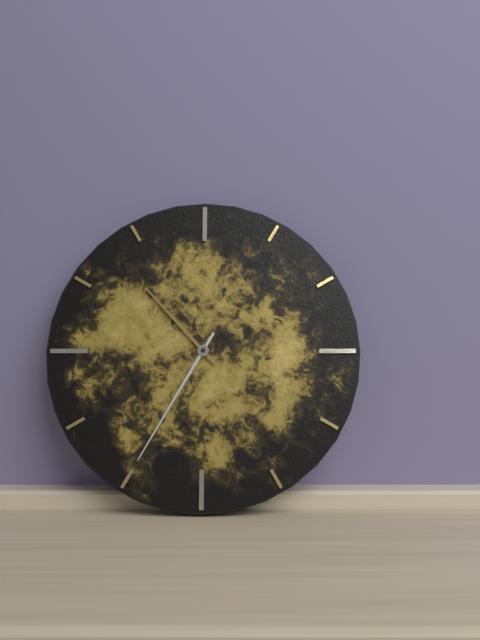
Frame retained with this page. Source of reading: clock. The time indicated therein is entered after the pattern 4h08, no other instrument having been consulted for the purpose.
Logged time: 10h35
